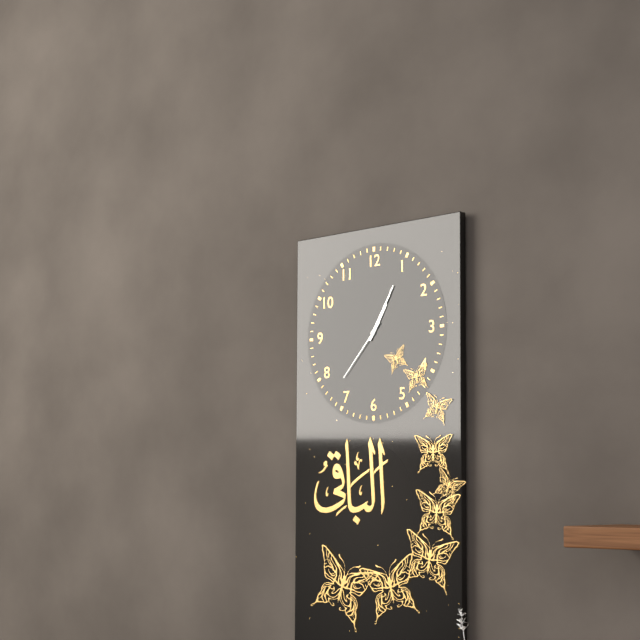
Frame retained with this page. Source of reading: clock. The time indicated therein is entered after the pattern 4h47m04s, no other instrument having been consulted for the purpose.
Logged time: 1h05m37s
